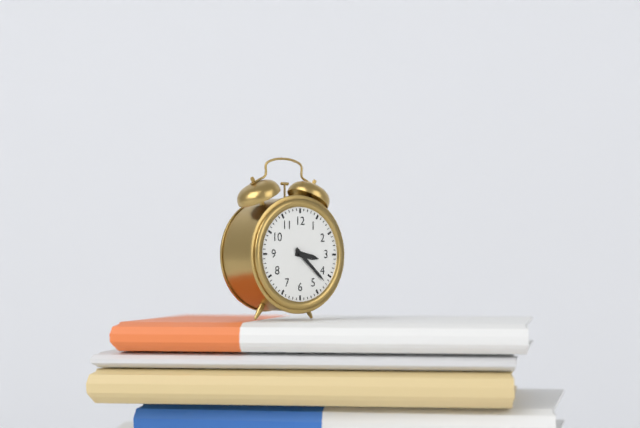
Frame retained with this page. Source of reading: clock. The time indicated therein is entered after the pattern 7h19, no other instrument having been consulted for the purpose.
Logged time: 3h22
